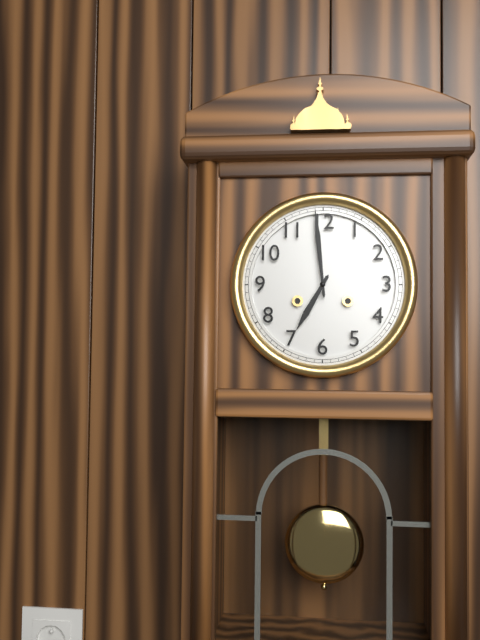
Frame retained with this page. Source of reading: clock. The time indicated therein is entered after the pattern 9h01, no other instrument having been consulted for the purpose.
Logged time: 6h59
